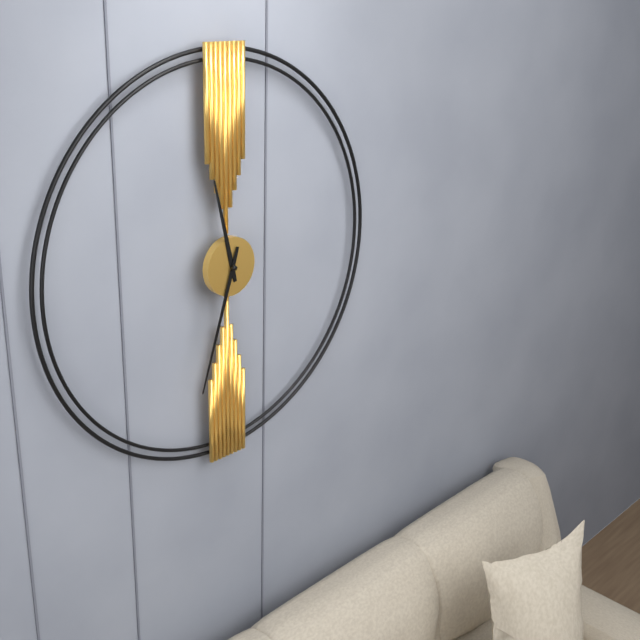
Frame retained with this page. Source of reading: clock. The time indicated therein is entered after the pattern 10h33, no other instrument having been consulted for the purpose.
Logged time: 11h33
